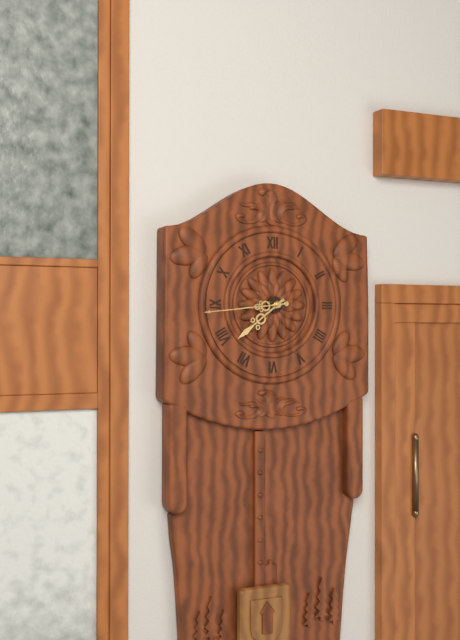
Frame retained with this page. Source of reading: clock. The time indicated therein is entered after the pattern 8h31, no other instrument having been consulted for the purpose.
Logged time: 7h44
